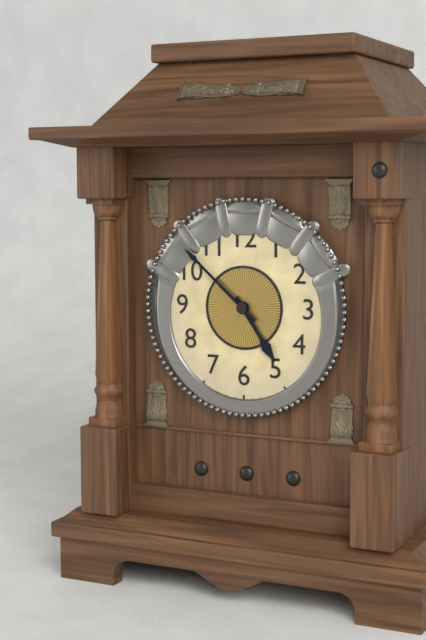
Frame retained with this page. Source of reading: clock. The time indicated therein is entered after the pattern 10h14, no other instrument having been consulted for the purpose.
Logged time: 4h52
